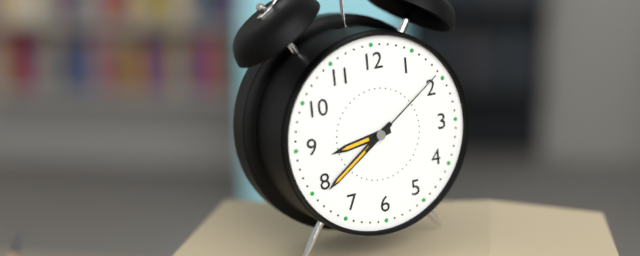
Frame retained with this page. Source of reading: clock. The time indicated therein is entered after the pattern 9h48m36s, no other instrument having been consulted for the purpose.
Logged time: 8h39m09s
